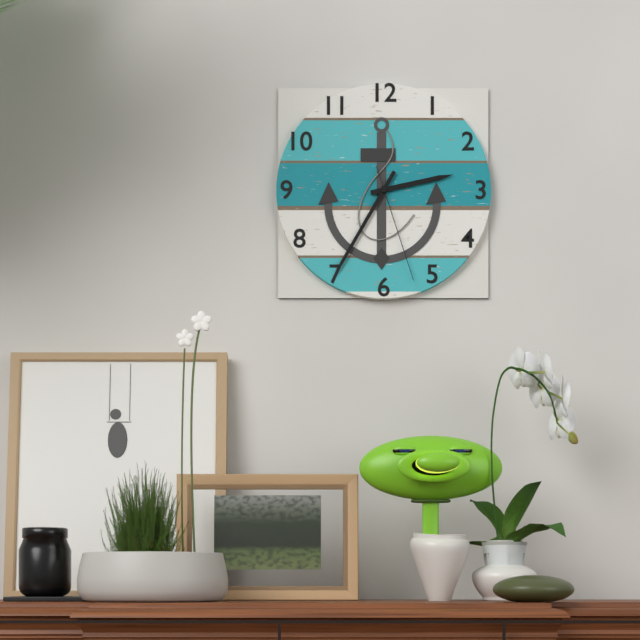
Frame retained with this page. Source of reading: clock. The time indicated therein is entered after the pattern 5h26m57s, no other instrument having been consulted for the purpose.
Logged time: 2h35m27s
